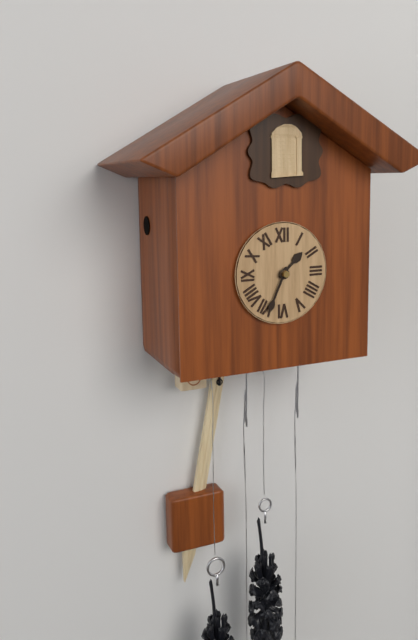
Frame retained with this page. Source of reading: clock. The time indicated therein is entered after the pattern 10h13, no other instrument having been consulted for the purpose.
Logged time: 1h34
